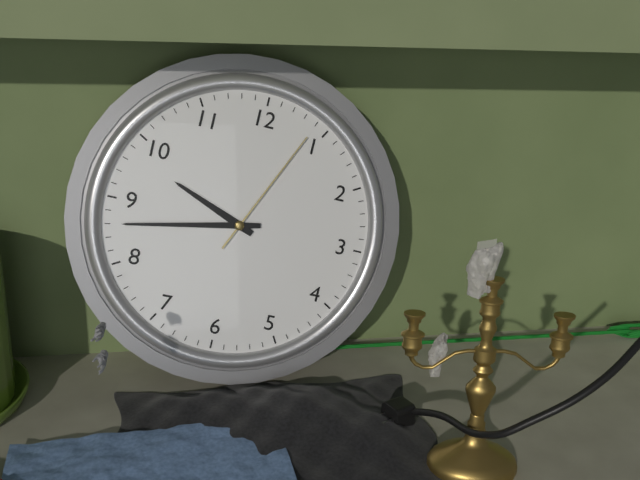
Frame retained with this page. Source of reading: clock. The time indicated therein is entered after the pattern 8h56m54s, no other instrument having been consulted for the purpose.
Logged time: 9h43m04s
